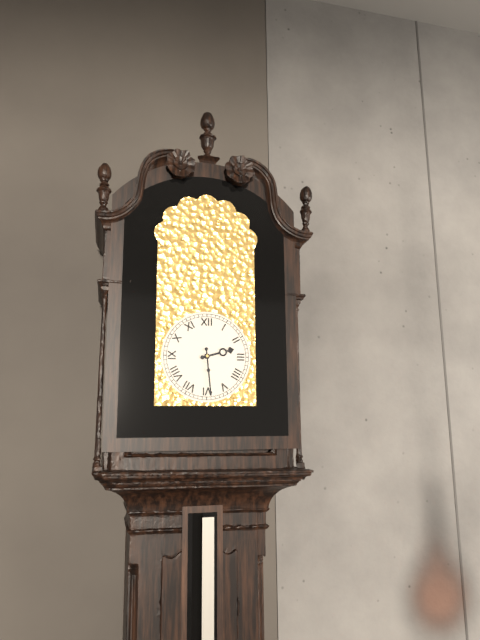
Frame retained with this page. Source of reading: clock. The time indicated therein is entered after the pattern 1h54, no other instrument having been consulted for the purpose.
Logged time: 2h29
